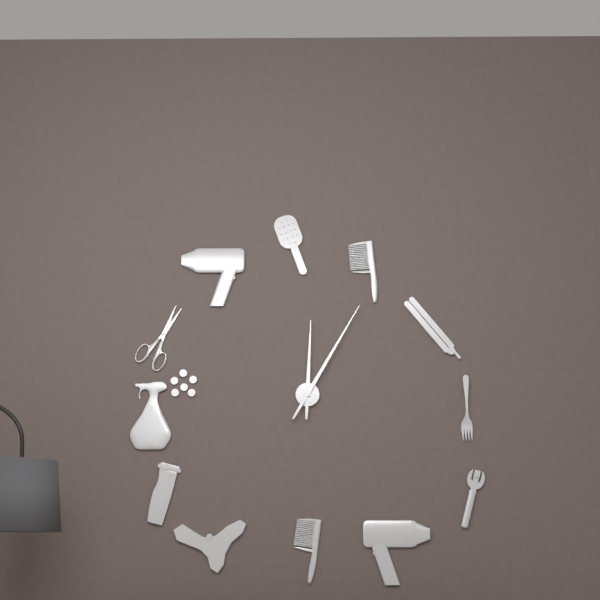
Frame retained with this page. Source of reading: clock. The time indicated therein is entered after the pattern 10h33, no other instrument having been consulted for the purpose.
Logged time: 12h05
